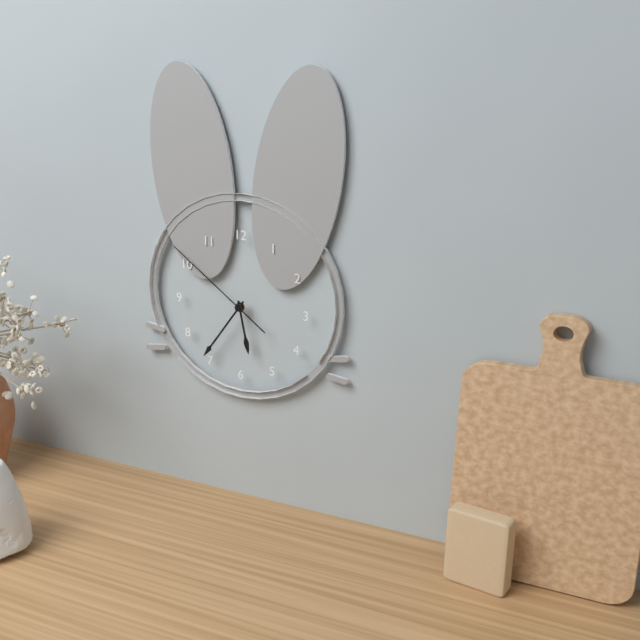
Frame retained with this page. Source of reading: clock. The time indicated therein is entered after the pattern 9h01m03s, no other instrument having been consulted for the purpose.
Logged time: 5h36m51s
